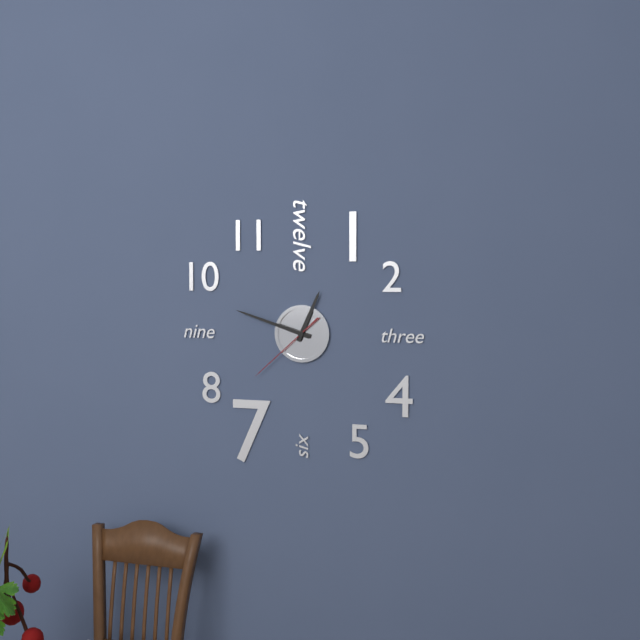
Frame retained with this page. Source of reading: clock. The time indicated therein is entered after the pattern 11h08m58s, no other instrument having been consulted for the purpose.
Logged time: 12h48m38s
